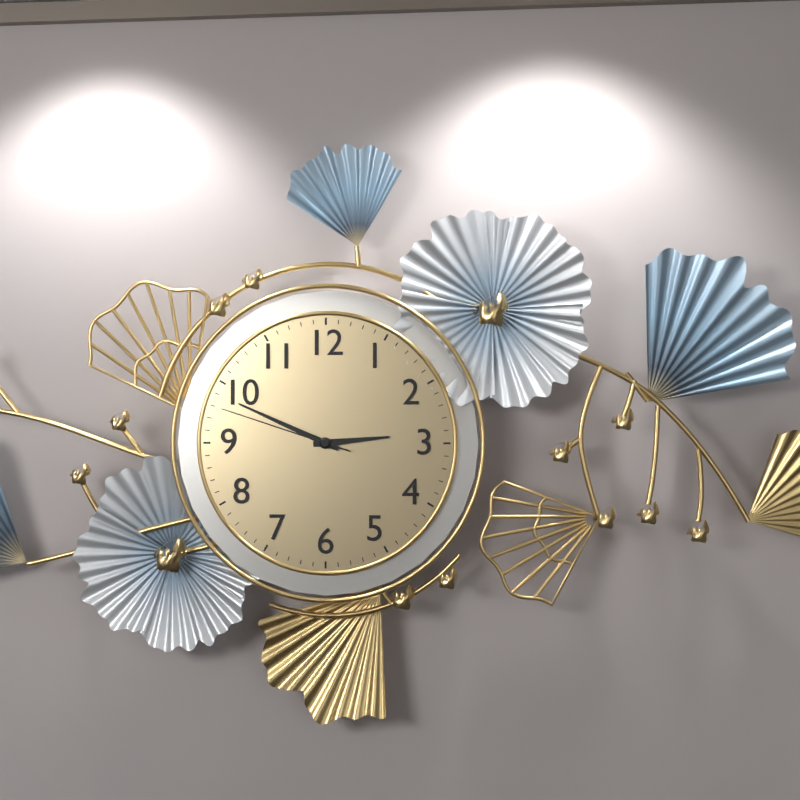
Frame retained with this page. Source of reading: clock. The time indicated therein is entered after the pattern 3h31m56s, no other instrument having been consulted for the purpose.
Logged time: 2h49m48s
